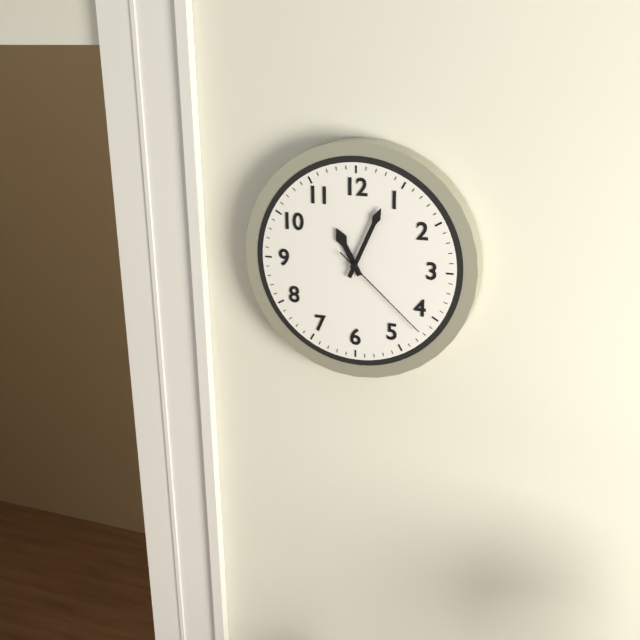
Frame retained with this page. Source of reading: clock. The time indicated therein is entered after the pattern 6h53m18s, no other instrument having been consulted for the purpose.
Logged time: 11h04m22s
